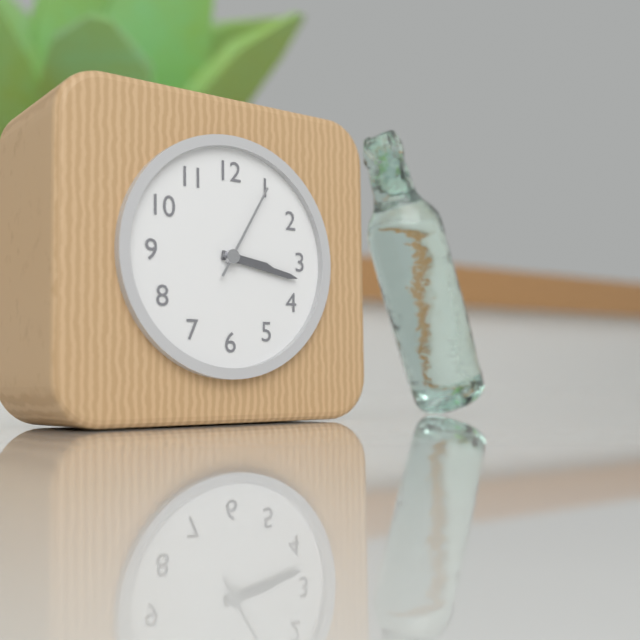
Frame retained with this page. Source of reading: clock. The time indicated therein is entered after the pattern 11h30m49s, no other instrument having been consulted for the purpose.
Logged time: 3h17m05s
